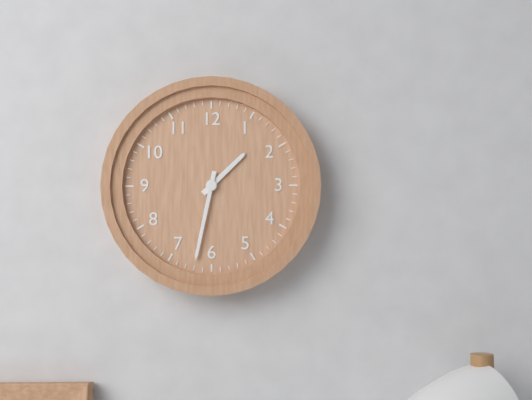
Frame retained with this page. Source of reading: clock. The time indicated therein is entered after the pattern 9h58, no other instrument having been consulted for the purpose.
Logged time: 1h32
